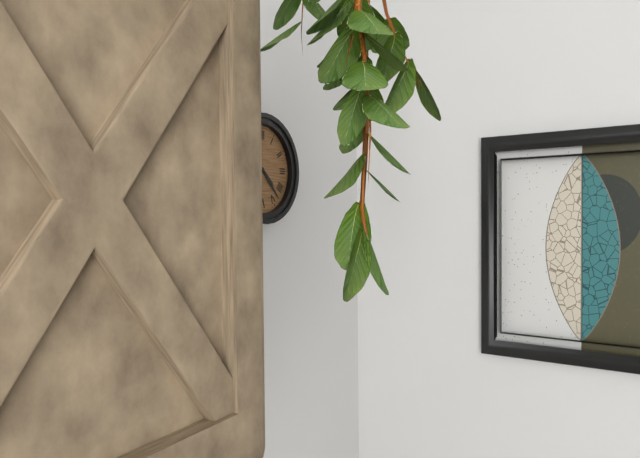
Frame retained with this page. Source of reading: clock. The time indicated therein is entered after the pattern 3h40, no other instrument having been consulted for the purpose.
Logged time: 4h23
